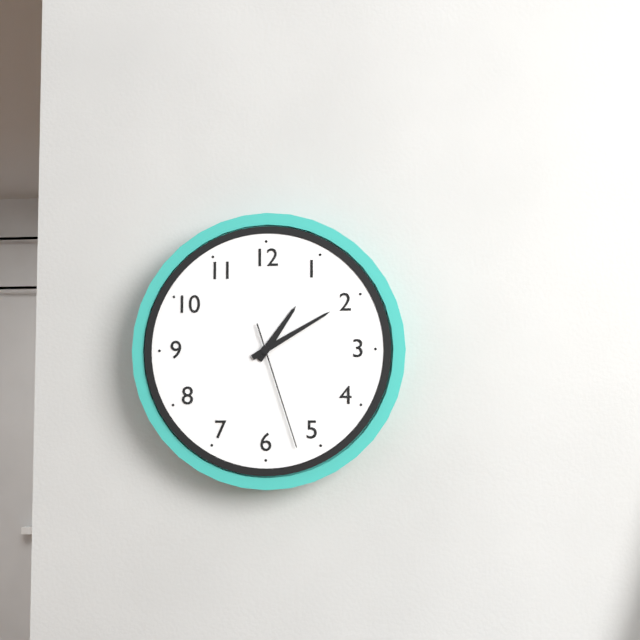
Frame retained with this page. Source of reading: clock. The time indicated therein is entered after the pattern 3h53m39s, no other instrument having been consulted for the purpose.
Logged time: 1h10m27s
